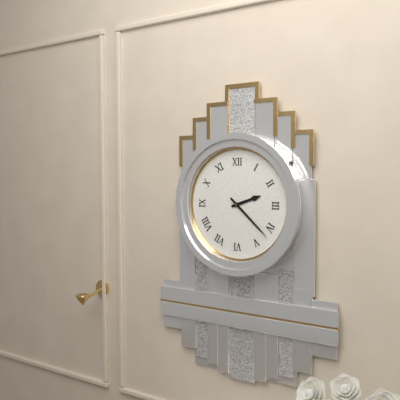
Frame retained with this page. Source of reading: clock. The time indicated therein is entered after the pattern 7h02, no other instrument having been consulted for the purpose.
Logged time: 2h22
